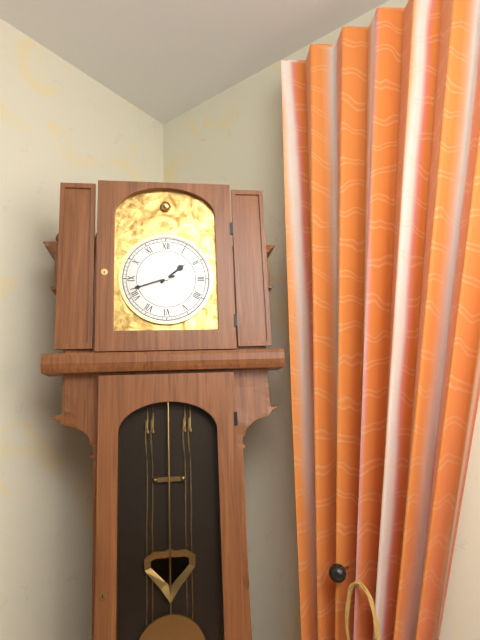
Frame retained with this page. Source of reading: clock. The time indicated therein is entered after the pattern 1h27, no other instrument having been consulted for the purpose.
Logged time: 1h42
